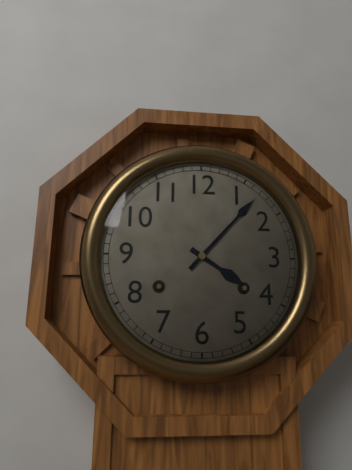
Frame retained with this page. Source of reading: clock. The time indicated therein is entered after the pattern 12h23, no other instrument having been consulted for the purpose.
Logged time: 4h07
